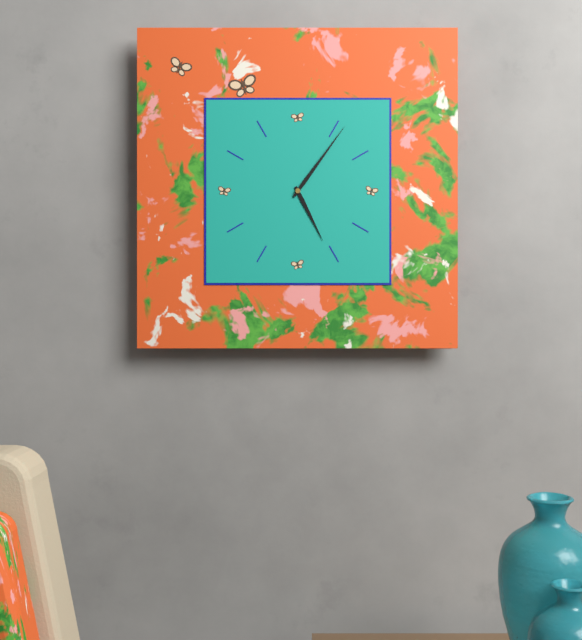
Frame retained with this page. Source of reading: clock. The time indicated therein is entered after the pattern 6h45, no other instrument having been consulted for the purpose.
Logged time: 5h06
